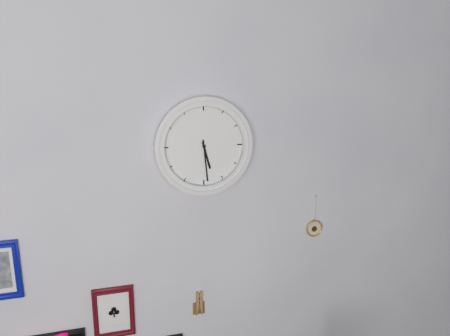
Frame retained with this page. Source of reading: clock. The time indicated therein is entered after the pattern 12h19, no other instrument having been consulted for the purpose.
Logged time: 5h29
